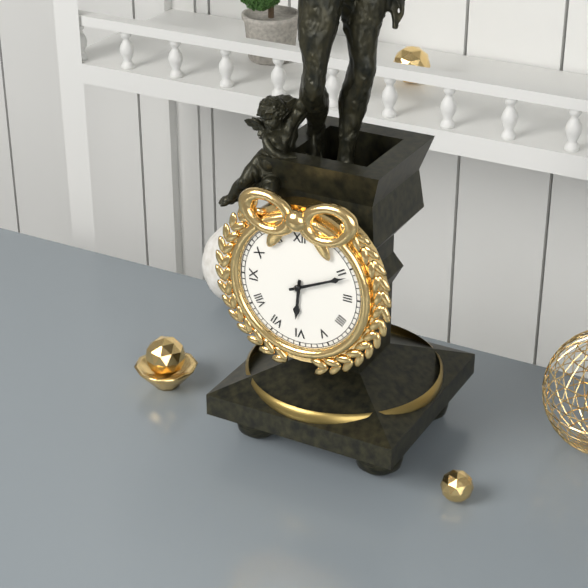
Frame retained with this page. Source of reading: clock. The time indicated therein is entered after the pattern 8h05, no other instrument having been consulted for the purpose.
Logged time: 6h11
